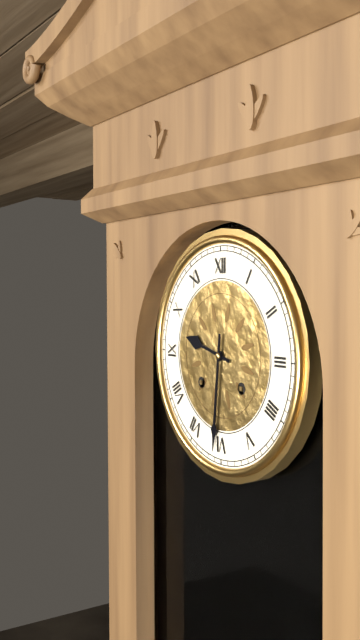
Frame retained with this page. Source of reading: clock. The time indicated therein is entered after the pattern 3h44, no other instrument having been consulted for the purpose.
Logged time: 9h31
